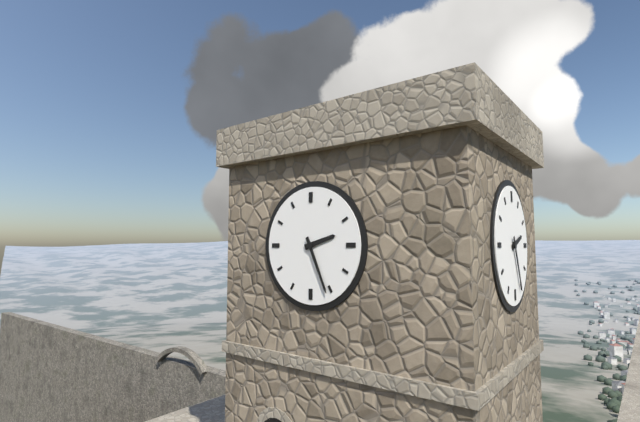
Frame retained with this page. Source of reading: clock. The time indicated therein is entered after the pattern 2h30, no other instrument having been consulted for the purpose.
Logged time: 2h26
